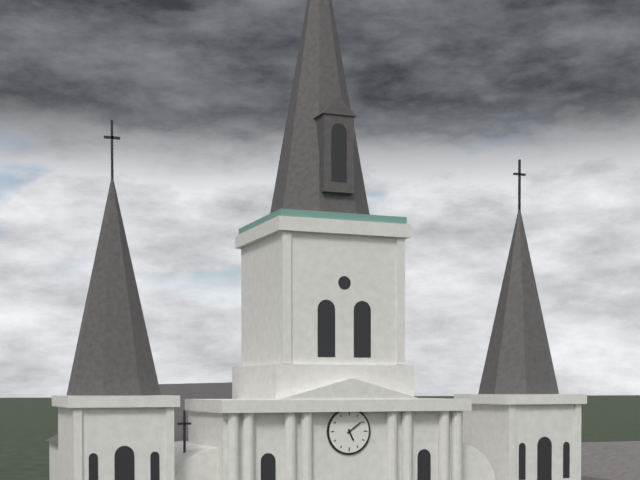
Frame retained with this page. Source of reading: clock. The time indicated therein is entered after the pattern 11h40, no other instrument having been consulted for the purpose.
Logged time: 5h09
